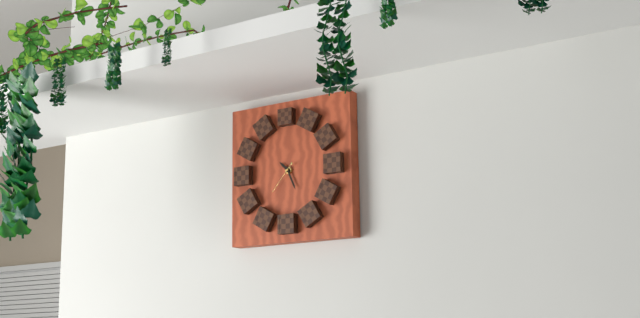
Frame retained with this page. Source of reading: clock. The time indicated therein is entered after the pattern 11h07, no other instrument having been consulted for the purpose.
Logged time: 10h26
